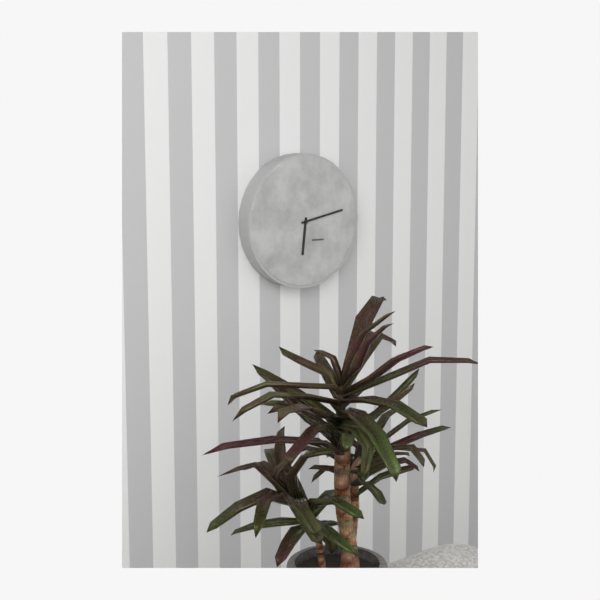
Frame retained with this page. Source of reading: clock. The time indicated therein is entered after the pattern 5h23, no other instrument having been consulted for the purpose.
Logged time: 6h13
